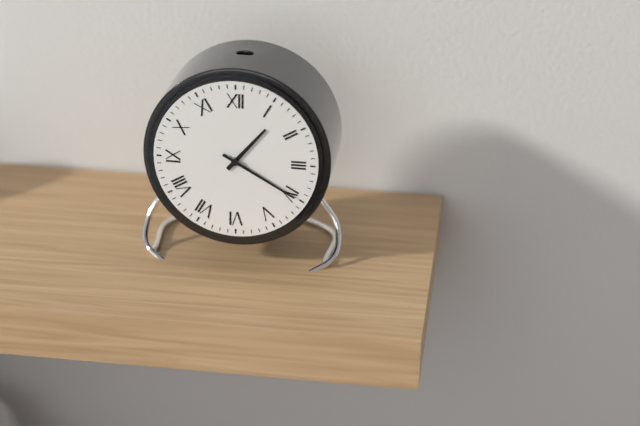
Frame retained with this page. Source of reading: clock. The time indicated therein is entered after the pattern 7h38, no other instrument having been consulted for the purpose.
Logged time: 1h20
